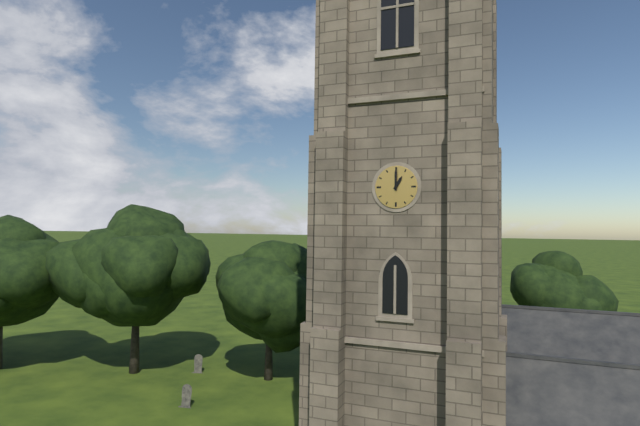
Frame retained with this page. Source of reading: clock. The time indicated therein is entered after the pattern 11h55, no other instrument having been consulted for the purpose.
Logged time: 1h00
